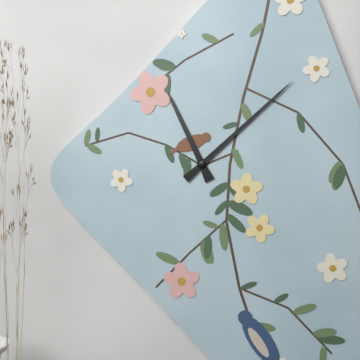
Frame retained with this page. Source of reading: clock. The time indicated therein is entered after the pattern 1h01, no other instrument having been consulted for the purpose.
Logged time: 11h08
